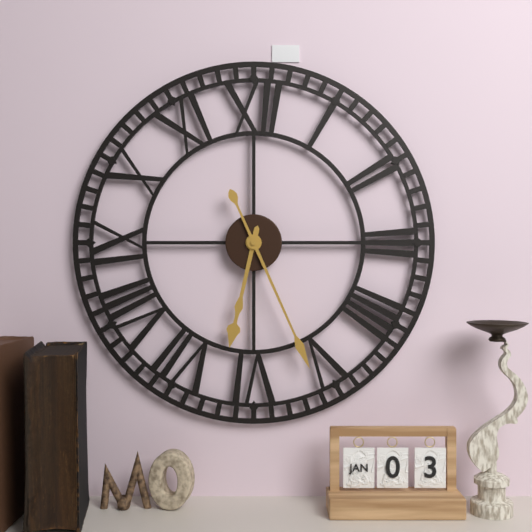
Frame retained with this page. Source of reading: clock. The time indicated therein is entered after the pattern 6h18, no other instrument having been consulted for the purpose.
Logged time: 6h26
